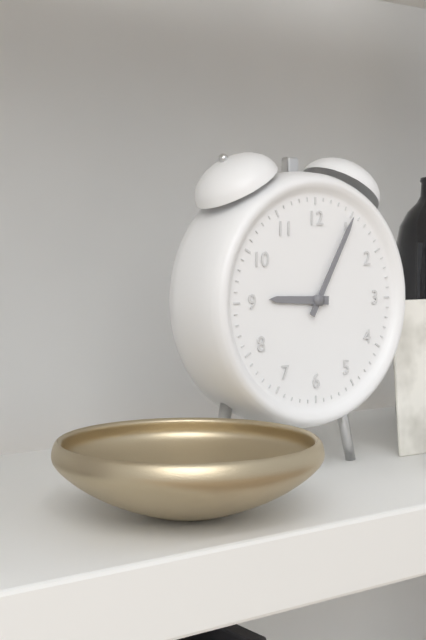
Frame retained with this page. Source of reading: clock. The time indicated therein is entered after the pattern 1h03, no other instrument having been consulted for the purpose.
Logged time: 9h05
